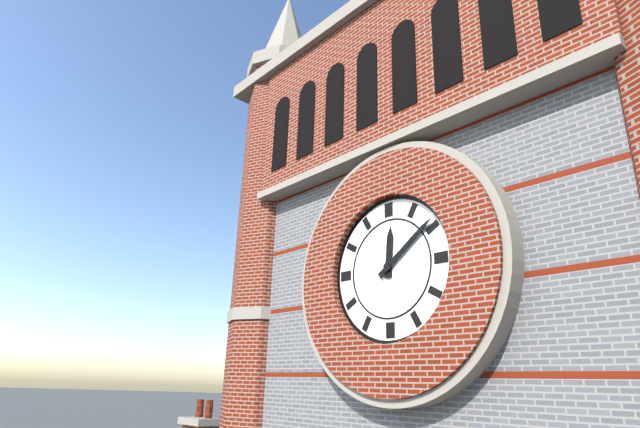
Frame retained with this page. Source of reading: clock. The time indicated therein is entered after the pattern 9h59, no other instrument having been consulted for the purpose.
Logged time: 12h09
